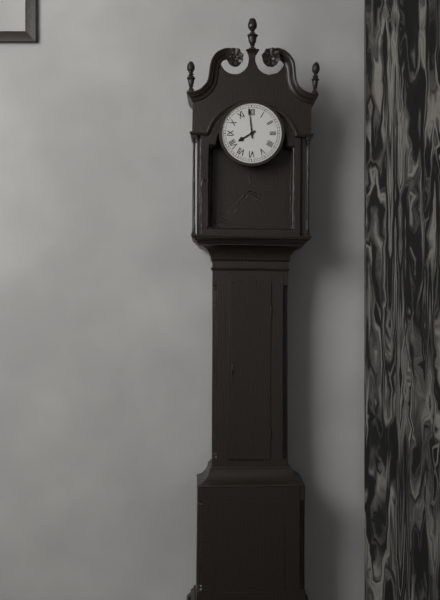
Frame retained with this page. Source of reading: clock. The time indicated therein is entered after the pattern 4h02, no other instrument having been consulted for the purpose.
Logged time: 7h59
